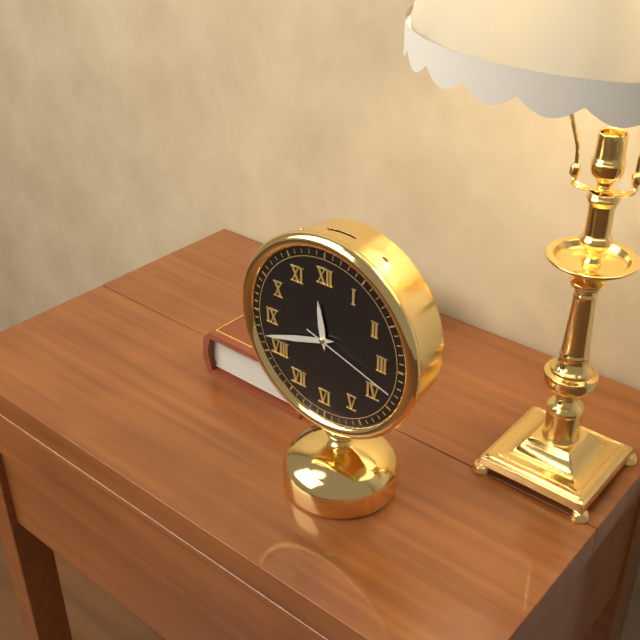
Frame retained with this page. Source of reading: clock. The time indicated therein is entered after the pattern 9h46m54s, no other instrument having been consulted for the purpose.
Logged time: 11h42m18s
